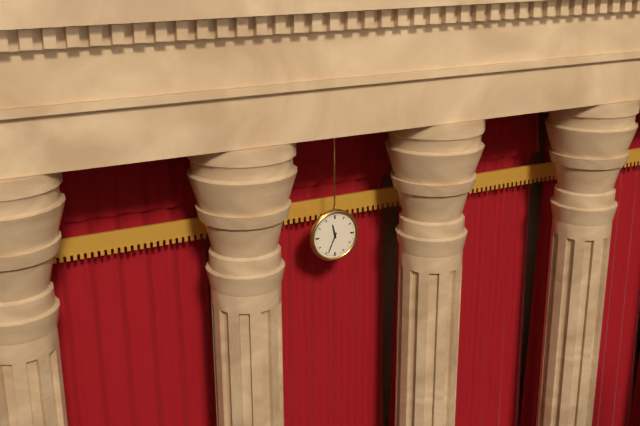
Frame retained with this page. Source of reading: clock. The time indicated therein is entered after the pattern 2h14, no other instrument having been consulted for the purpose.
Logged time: 11h34
